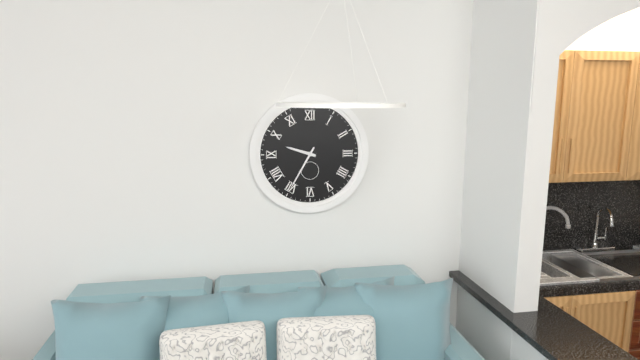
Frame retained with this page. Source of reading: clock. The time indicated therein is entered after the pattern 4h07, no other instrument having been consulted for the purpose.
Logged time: 9h35
